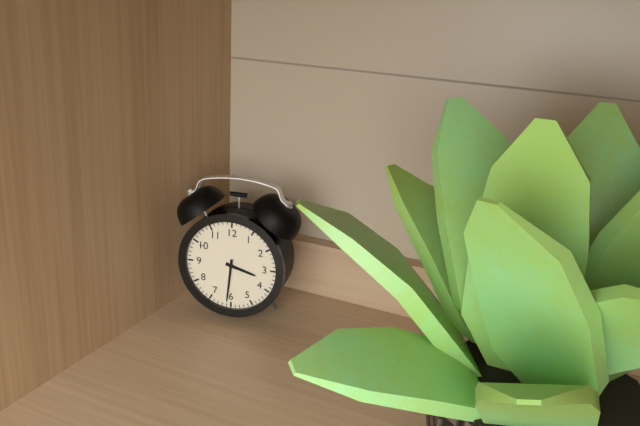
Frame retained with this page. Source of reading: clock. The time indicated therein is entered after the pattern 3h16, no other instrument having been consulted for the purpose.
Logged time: 3h31
